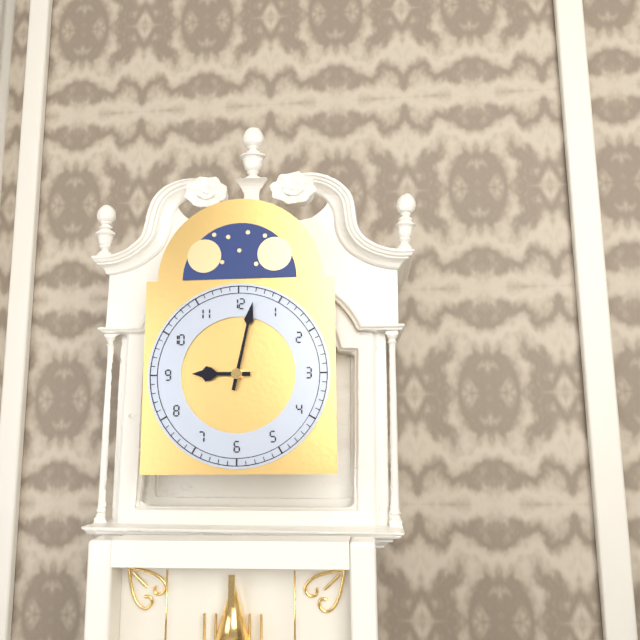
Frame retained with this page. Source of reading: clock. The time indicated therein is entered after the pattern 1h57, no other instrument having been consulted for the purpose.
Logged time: 9h02
